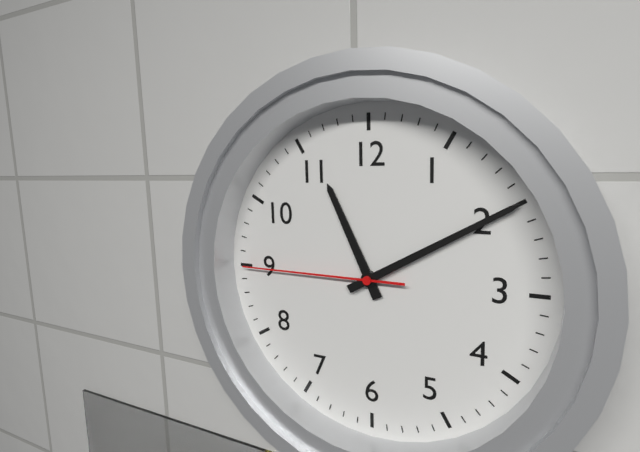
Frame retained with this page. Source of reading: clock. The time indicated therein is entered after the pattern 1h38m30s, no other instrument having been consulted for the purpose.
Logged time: 11h10m45s
